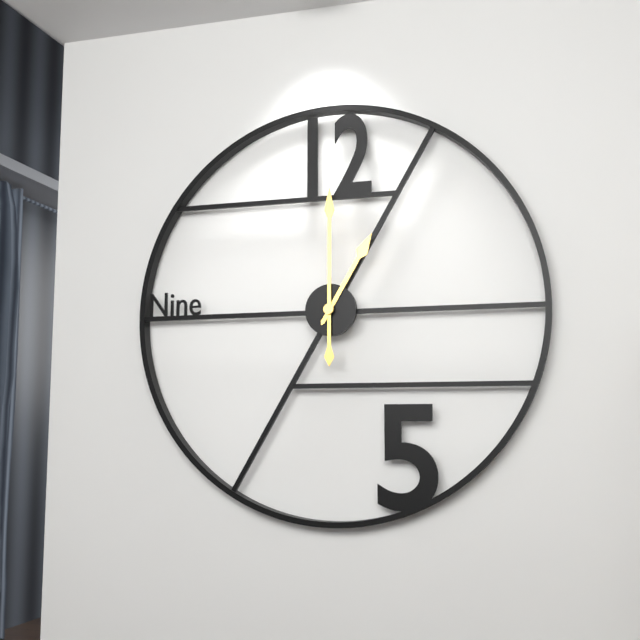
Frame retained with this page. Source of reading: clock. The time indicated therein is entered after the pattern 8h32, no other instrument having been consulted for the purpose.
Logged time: 1h00
